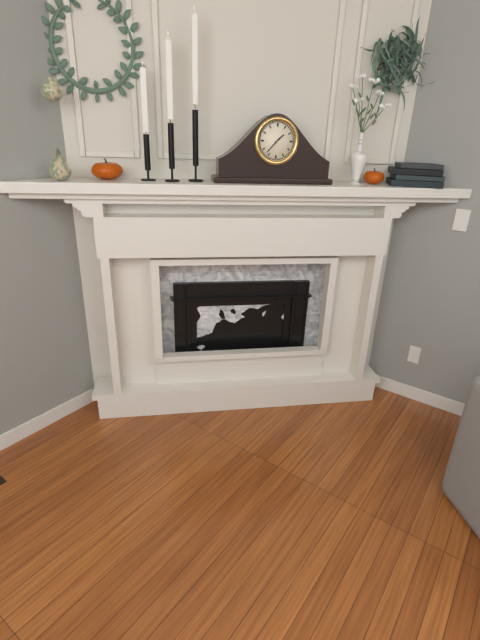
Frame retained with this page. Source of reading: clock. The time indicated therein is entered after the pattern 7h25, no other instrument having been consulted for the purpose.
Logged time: 1h37
